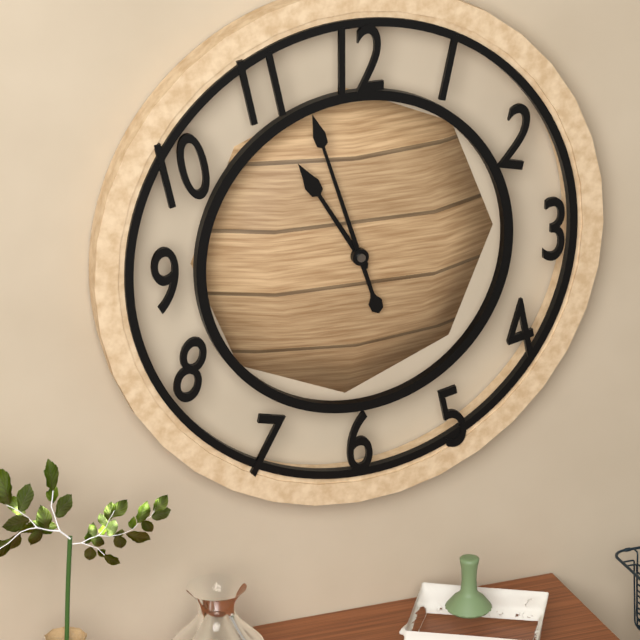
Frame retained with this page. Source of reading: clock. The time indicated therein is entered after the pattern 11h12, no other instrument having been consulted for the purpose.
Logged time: 10h57
